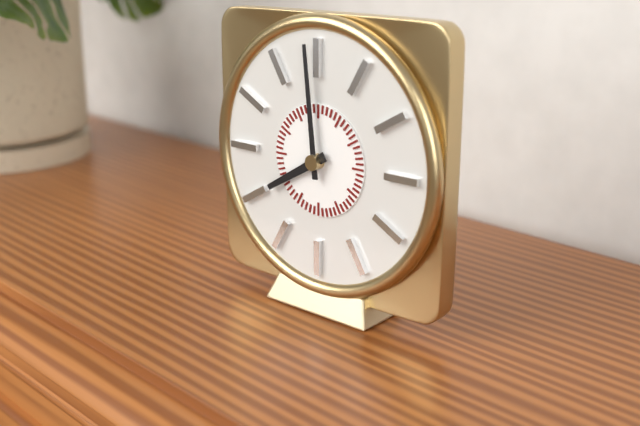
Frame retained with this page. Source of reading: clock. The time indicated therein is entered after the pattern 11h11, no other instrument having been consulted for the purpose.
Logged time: 7h59
